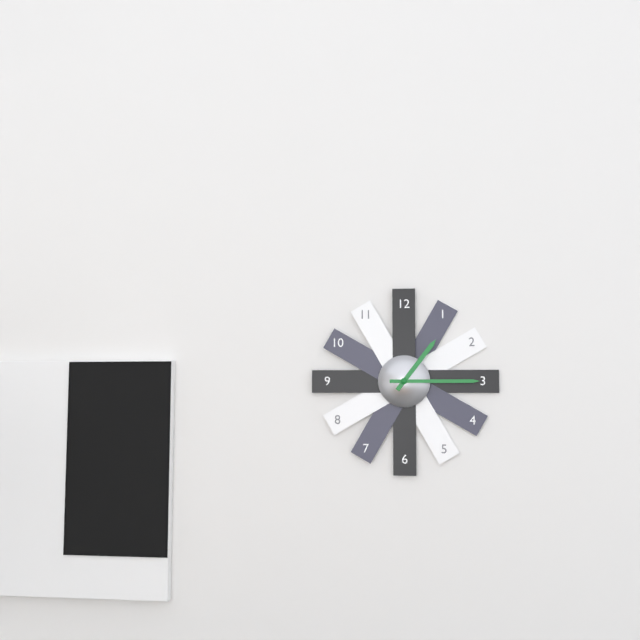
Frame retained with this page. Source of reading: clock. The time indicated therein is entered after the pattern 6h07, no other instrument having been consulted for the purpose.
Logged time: 1h15
